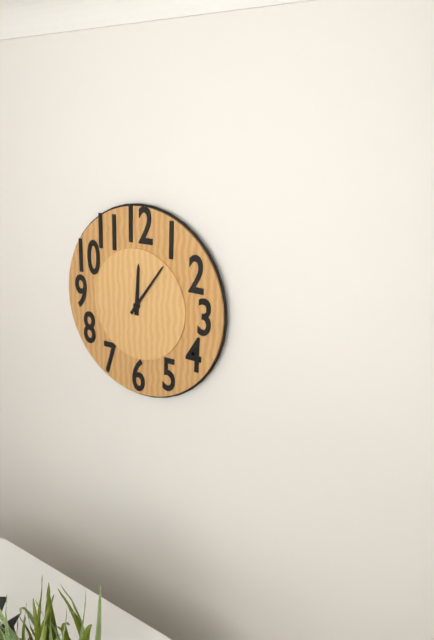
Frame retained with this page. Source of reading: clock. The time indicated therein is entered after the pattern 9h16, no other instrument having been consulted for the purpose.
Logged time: 12h06
